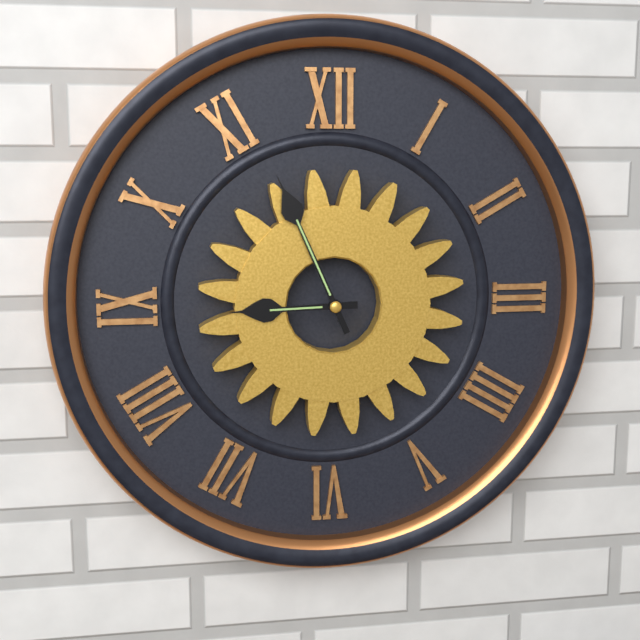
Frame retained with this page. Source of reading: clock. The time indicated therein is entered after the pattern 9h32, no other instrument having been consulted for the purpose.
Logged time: 8h56
